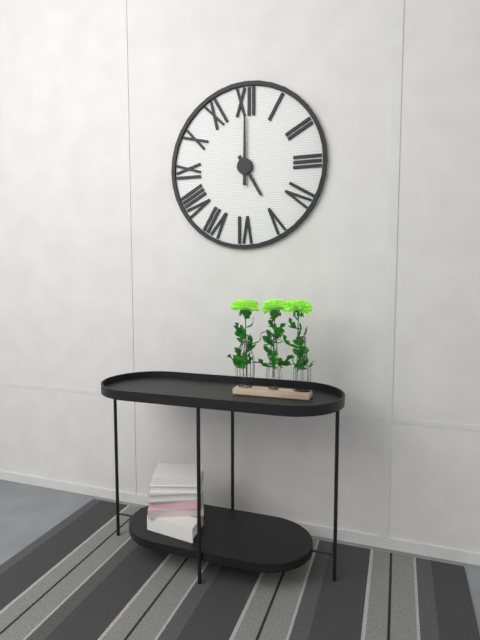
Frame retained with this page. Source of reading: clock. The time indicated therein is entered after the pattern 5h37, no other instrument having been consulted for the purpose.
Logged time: 5h00
